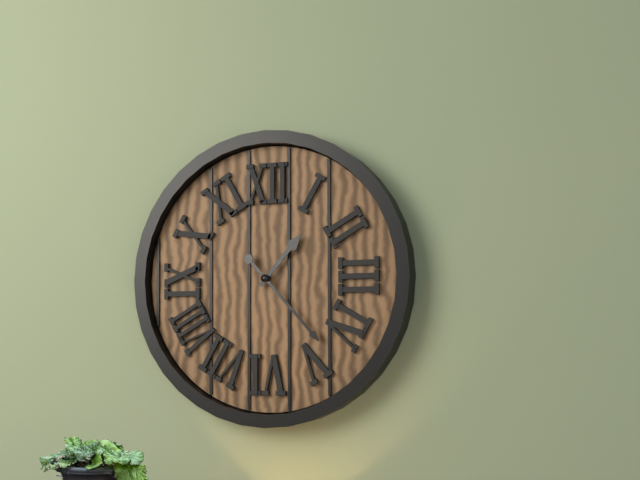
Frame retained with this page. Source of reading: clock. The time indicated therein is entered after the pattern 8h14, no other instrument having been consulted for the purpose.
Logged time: 1h23
